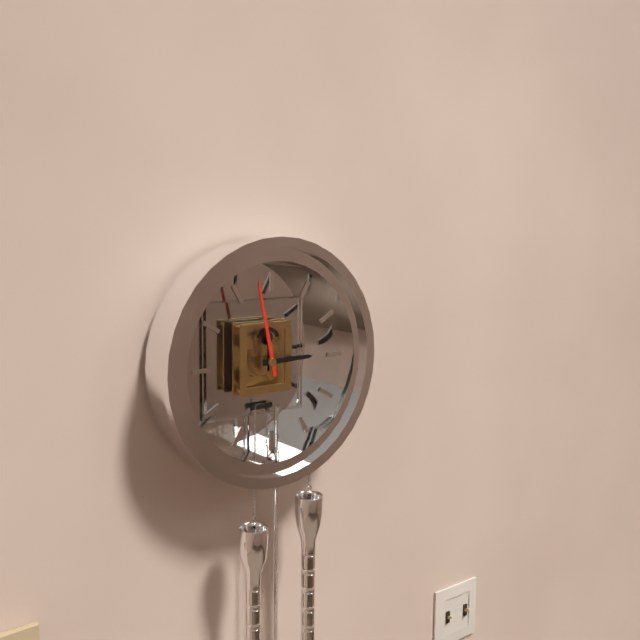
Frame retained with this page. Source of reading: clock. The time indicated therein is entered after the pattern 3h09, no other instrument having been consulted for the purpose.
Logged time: 2h58
